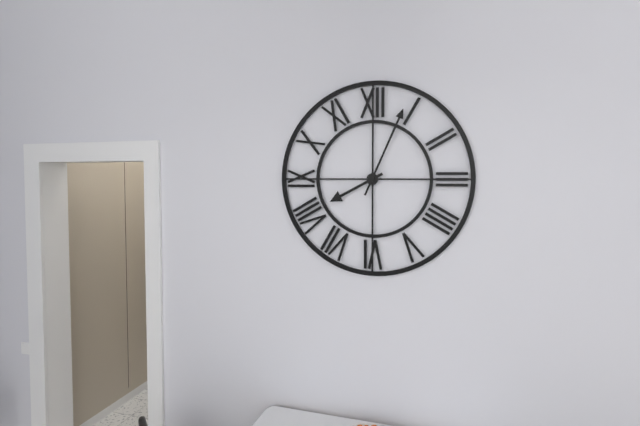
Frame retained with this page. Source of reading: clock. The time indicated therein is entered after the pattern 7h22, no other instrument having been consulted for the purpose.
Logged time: 8h04
